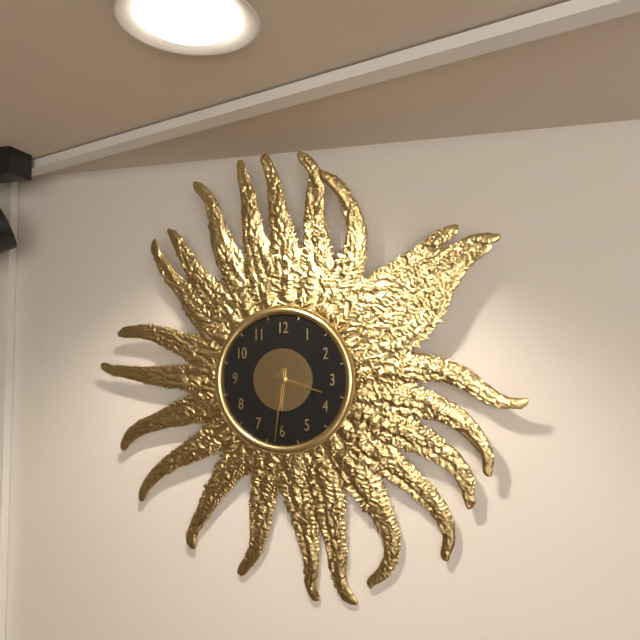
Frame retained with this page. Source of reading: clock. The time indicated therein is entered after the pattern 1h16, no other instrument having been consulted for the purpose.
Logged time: 3h31
